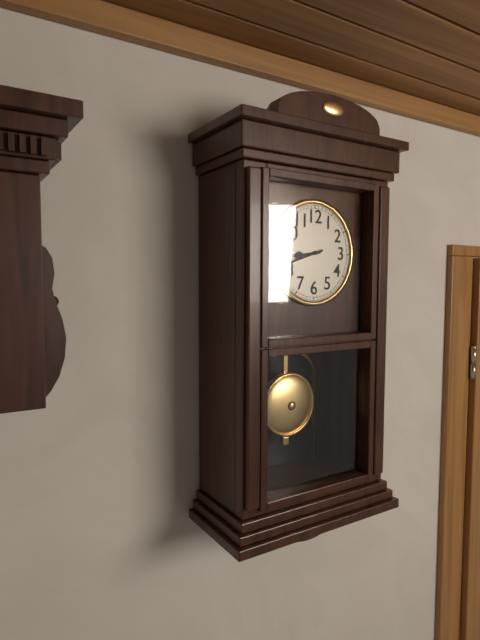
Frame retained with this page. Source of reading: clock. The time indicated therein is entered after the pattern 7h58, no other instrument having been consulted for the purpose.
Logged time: 8h42
